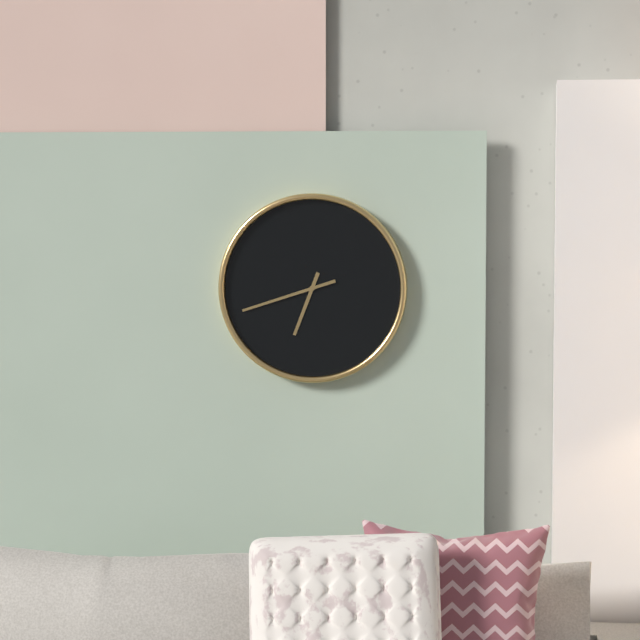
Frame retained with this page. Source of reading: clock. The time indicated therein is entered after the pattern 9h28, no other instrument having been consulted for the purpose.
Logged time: 6h42
